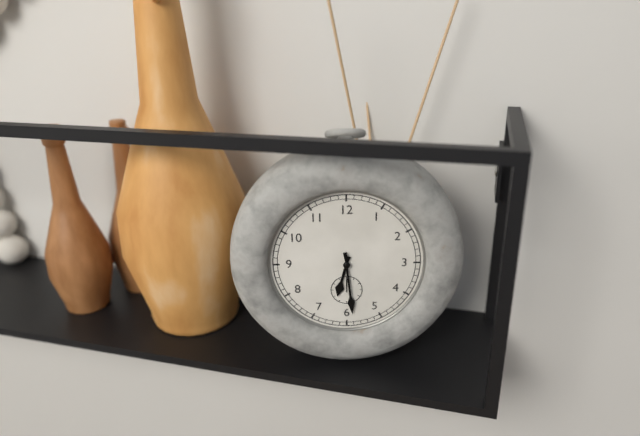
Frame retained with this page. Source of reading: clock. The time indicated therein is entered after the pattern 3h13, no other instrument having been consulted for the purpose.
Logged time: 6h29
